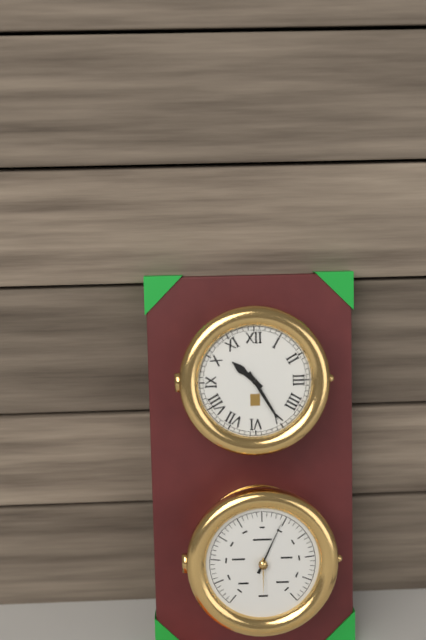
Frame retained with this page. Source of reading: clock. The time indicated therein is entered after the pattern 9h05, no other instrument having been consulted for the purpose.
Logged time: 10h25
